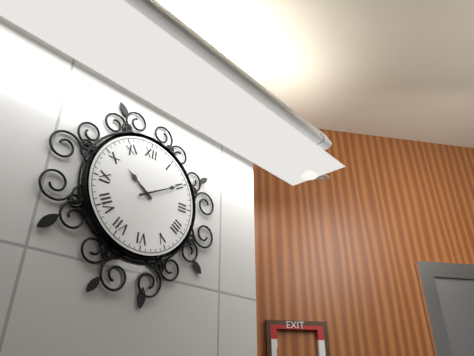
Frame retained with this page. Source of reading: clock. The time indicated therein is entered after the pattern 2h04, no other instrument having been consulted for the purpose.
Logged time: 10h10
